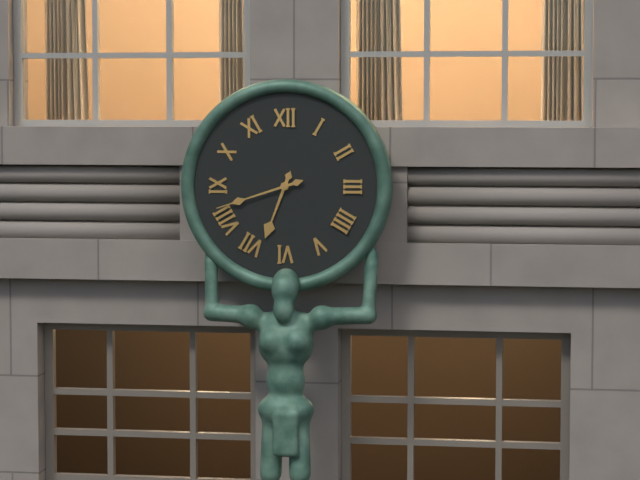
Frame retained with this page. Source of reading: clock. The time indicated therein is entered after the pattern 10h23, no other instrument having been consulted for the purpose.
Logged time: 6h42
